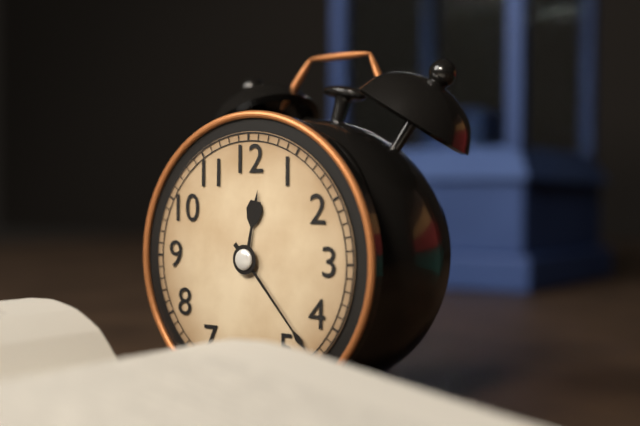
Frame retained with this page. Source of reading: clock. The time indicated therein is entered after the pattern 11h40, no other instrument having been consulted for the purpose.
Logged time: 12h23
